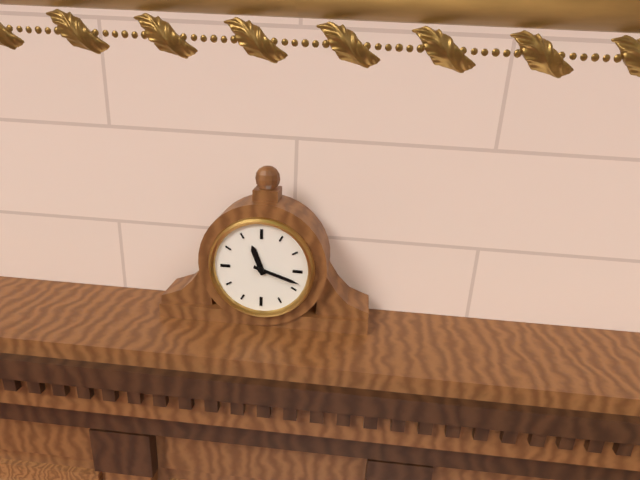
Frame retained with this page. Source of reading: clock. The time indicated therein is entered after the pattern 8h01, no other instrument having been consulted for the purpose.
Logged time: 11h18
